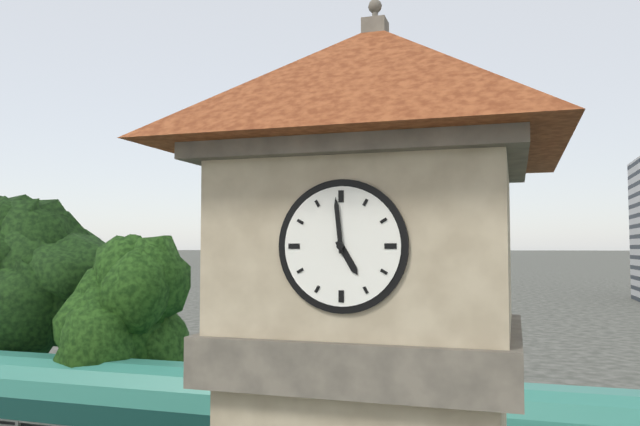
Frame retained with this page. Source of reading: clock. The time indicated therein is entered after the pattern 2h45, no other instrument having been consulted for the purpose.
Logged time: 4h59
